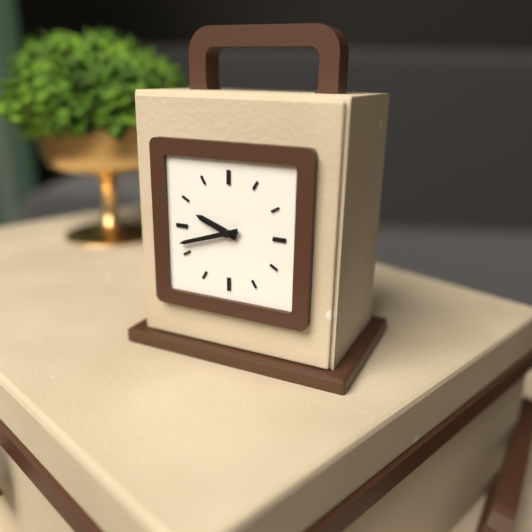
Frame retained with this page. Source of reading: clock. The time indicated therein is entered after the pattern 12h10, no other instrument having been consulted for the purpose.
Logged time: 9h42
